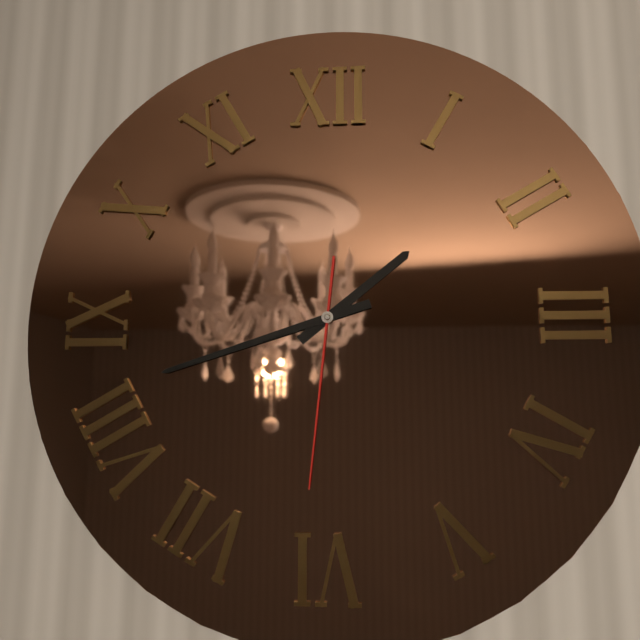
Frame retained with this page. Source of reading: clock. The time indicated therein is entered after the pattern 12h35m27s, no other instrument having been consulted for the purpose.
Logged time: 1h42m31s
